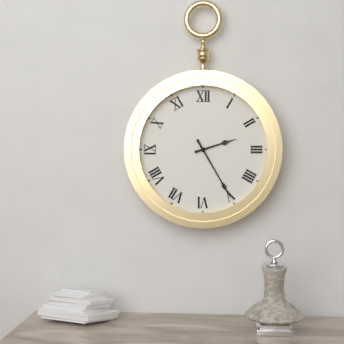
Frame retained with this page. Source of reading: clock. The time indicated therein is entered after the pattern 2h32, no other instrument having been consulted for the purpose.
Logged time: 2h25
